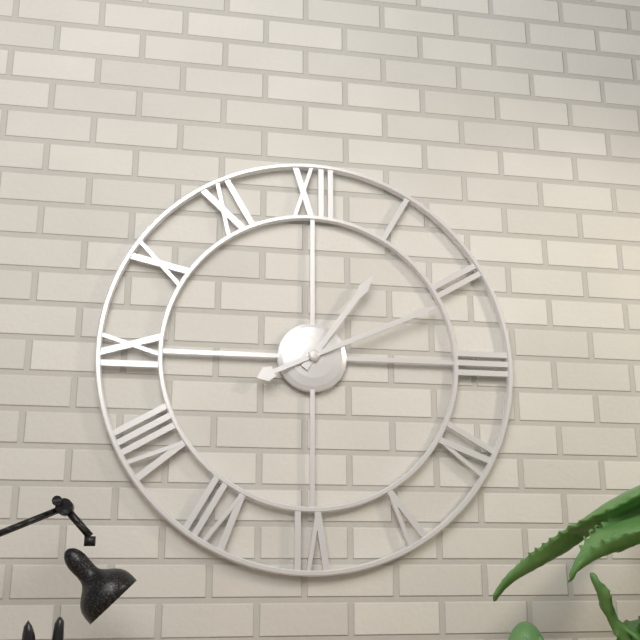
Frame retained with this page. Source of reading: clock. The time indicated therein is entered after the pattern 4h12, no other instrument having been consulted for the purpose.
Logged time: 1h11
